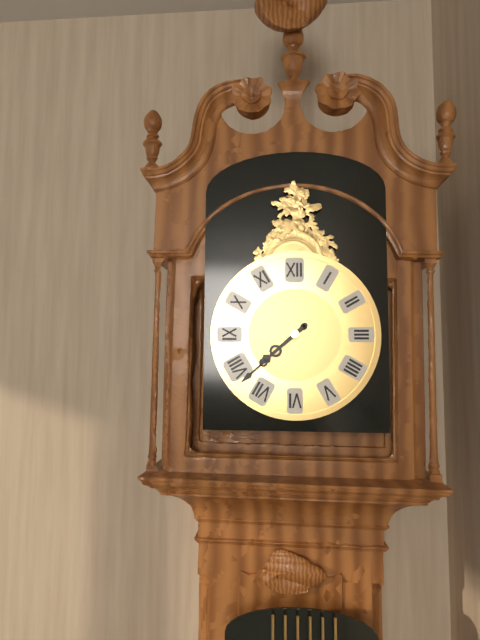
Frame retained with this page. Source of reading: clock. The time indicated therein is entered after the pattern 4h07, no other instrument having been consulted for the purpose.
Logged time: 7h38
